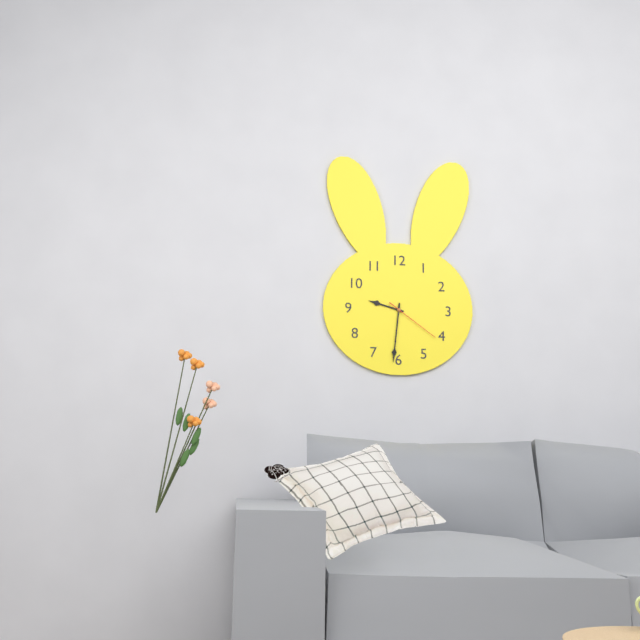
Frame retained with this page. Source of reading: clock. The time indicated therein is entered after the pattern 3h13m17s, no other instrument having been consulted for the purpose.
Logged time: 9h31m21s
